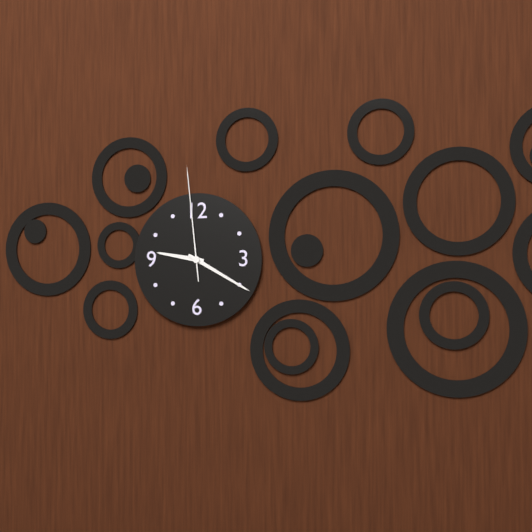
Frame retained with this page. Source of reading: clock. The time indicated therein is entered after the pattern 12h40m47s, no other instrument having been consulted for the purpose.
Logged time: 9h20m59s
